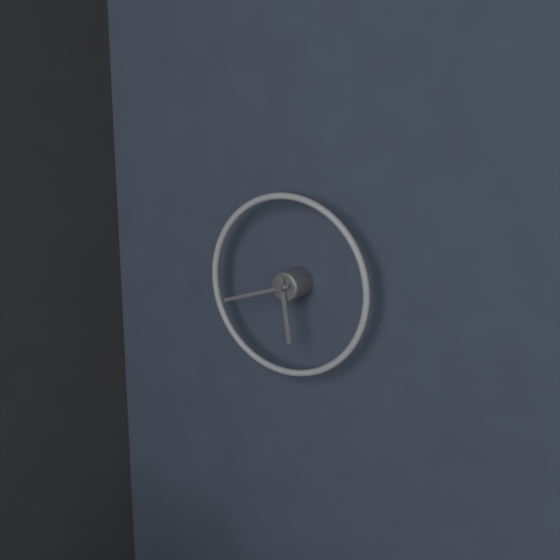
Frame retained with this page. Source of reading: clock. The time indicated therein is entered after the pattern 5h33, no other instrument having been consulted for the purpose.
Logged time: 5h42
